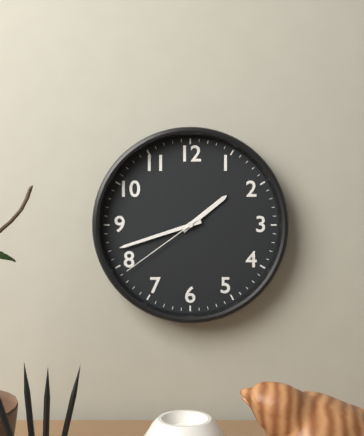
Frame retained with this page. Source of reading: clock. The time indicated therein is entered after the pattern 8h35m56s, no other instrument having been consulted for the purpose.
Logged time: 1h42m39s
